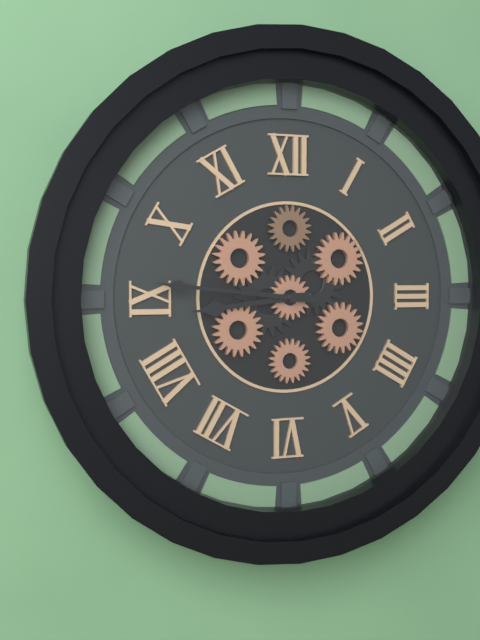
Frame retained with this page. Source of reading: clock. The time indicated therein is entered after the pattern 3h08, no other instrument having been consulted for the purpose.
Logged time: 8h46
